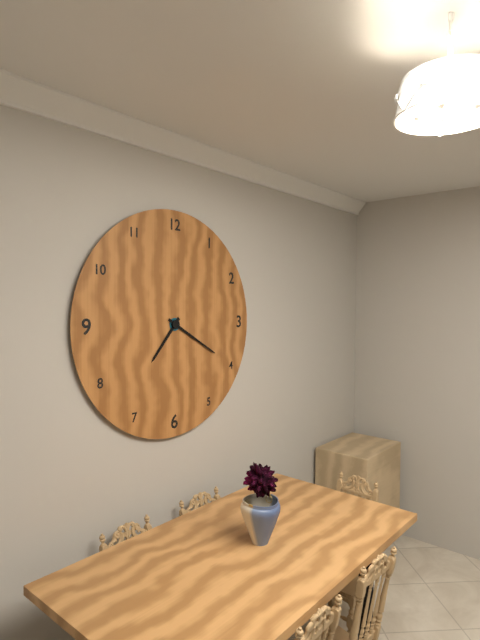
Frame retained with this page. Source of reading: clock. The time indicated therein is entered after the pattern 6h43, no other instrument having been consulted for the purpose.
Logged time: 7h20
